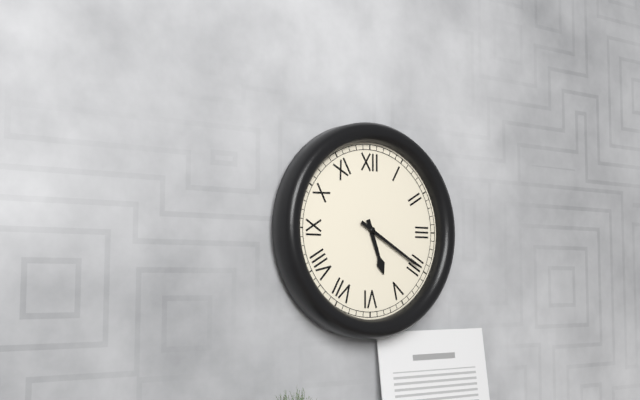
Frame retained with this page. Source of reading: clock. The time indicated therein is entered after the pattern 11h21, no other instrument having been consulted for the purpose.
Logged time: 5h20
